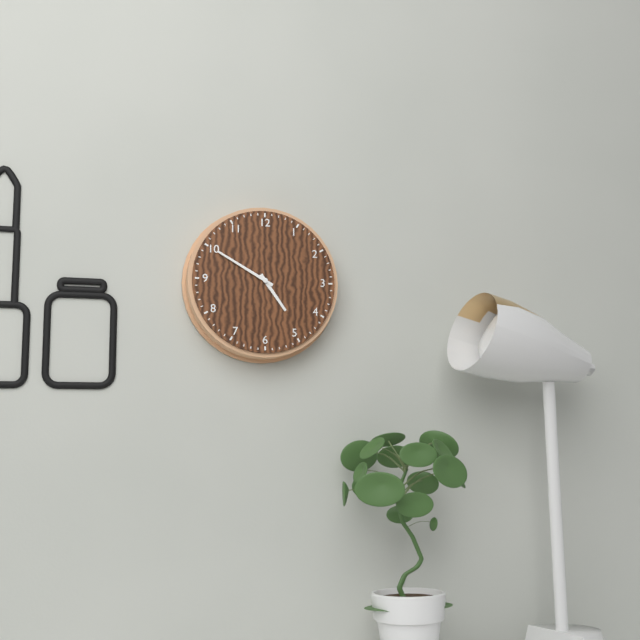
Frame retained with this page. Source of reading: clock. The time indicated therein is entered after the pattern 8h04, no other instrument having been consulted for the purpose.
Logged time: 4h50
